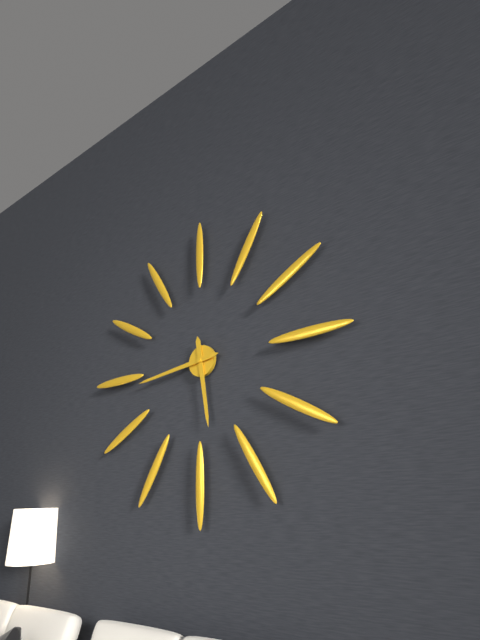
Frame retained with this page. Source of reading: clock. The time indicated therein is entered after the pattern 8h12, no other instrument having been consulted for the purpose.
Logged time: 5h44
